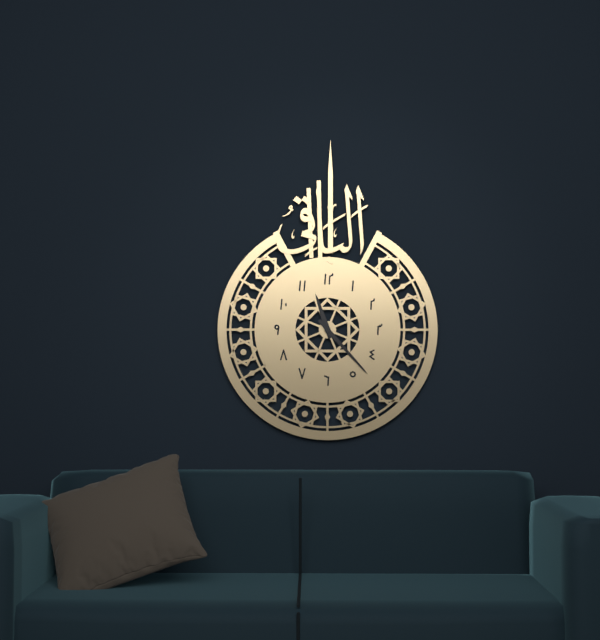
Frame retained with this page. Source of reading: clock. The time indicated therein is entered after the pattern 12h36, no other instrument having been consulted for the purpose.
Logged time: 11h23
